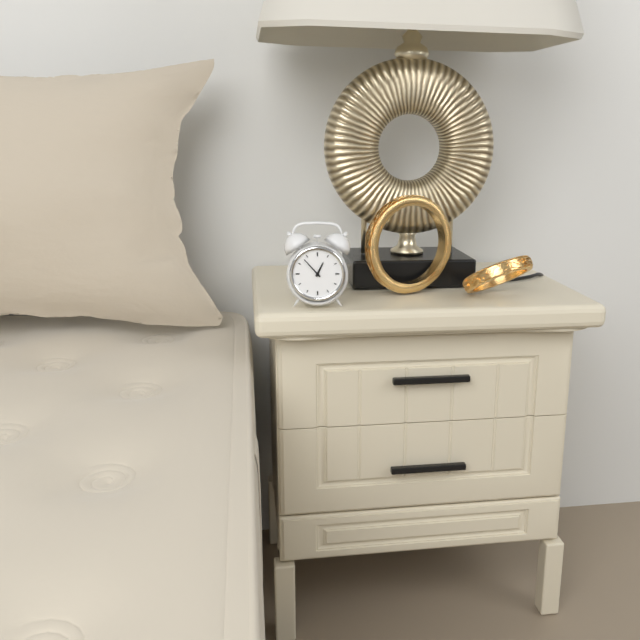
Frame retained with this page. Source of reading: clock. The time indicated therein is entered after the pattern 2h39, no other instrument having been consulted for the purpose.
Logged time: 12h53
